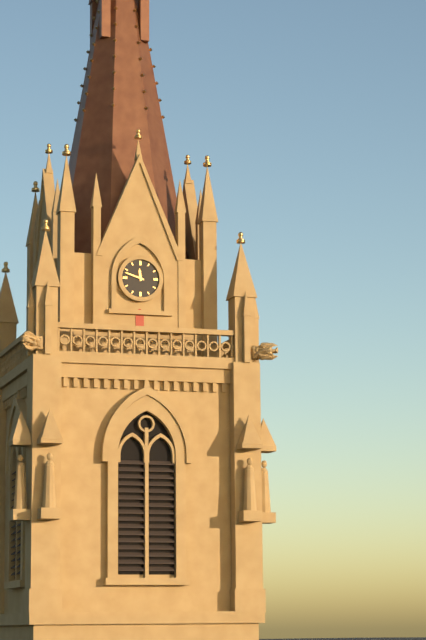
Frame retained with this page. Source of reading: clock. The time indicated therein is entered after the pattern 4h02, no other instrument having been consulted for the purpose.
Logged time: 11h48
